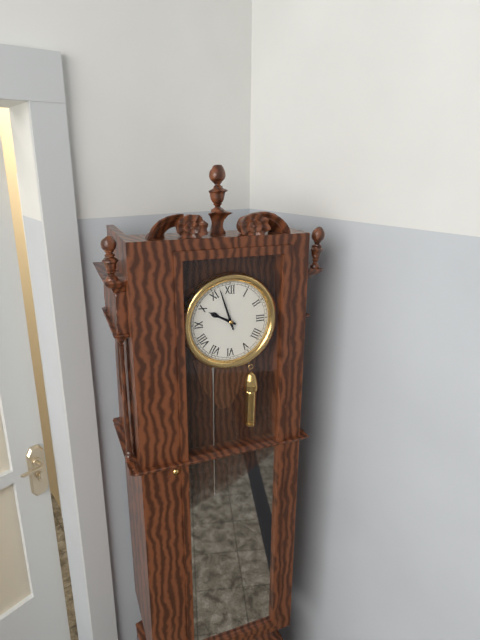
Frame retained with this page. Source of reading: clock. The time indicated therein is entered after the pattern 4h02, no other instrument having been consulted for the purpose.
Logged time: 9h57
